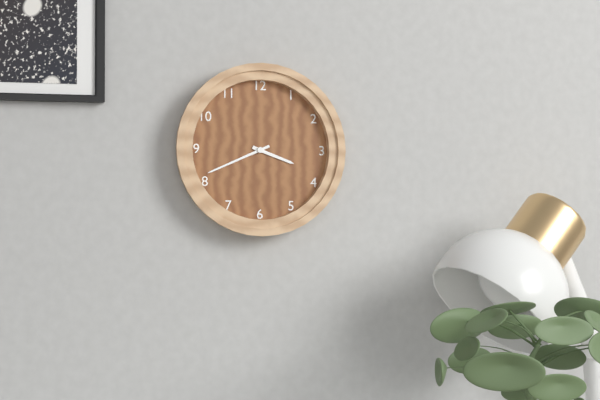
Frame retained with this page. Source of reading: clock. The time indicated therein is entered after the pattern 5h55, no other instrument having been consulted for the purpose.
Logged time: 3h41
